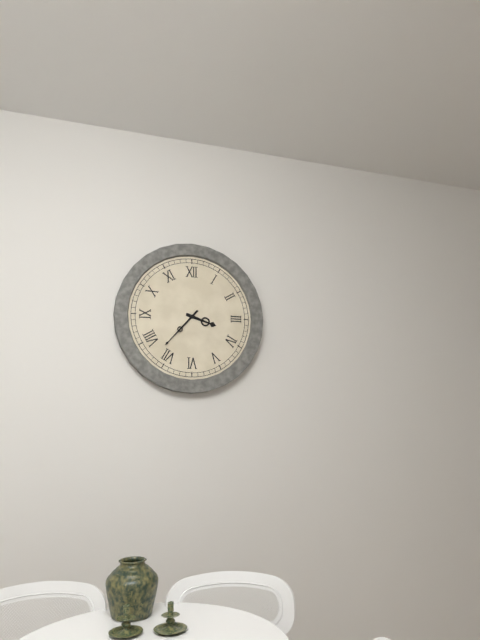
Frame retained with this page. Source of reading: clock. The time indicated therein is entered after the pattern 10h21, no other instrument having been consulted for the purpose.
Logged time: 3h37
